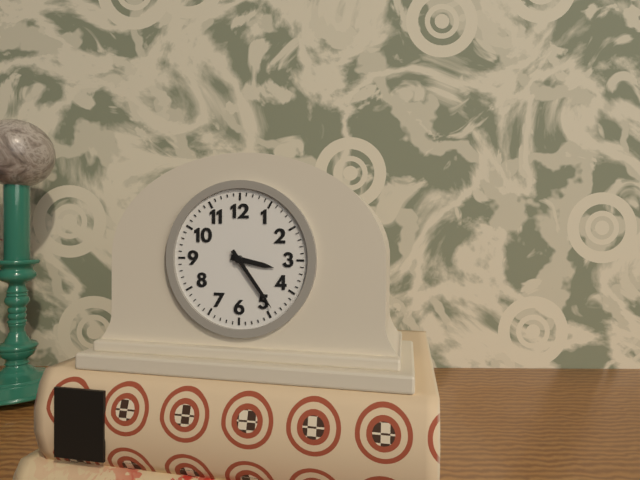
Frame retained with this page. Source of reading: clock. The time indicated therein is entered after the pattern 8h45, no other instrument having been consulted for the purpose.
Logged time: 3h24
